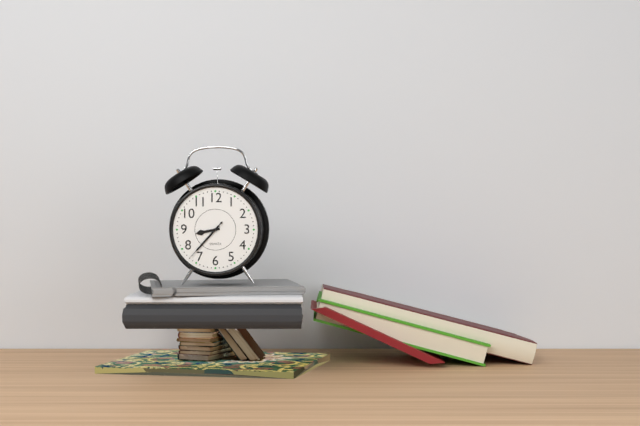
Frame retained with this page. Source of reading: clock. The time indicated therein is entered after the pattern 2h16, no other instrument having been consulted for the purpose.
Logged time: 8h37
